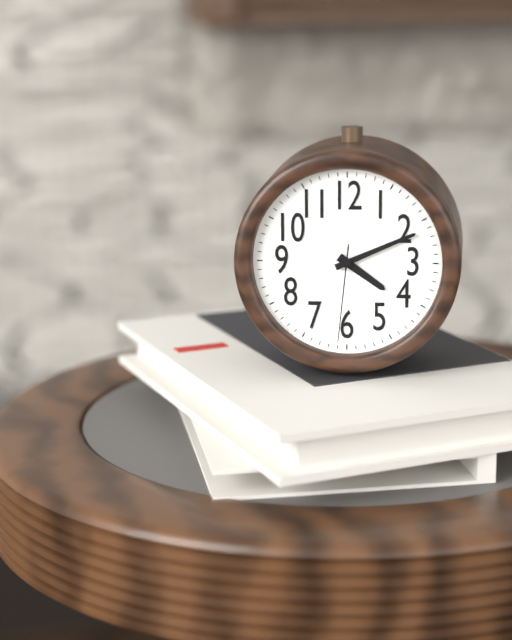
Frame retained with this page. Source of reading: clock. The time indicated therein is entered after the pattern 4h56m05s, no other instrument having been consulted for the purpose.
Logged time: 4h11m31s
